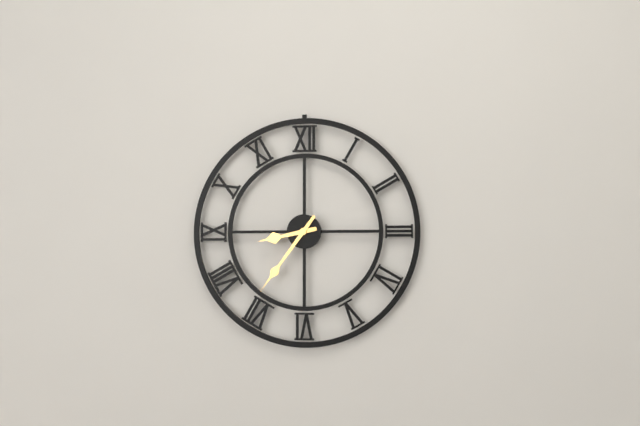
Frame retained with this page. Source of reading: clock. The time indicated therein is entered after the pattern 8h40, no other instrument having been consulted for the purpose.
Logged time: 8h36
